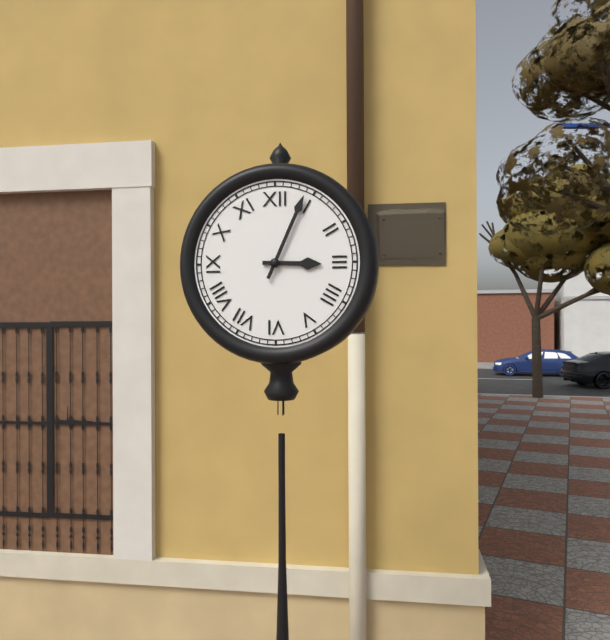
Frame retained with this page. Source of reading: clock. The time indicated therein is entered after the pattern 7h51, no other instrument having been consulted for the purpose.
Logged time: 3h04
